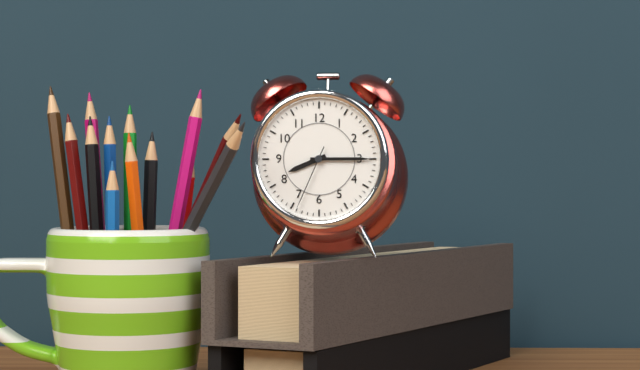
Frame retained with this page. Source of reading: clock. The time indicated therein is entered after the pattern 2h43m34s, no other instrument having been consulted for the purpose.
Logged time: 8h15m34s
